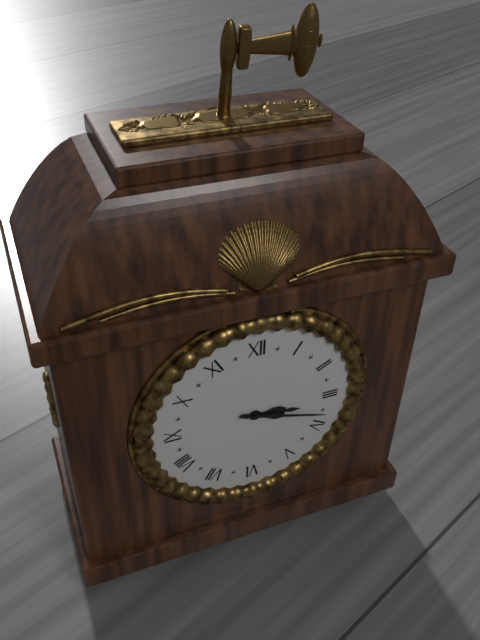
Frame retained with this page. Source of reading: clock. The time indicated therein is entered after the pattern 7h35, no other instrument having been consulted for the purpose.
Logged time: 3h18
